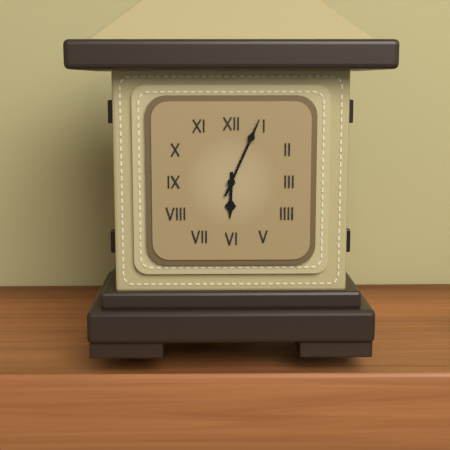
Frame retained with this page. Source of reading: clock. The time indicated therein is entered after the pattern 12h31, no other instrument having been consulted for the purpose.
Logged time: 6h04
